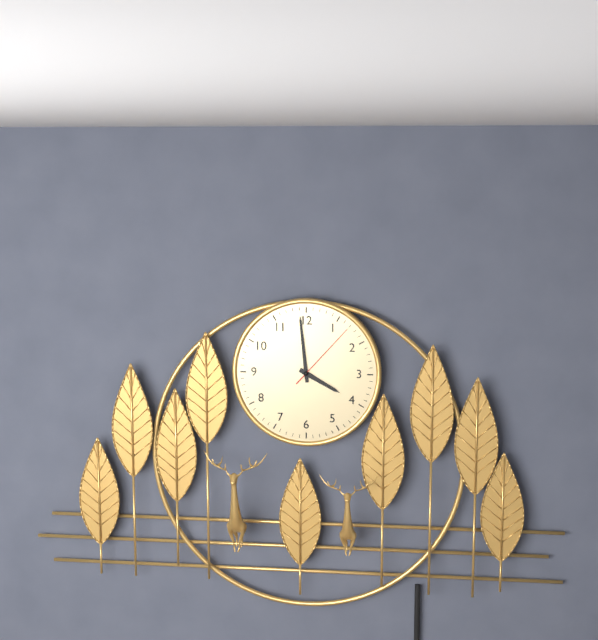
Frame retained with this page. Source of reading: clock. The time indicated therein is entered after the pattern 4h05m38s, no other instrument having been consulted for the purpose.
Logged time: 3h59m07s
